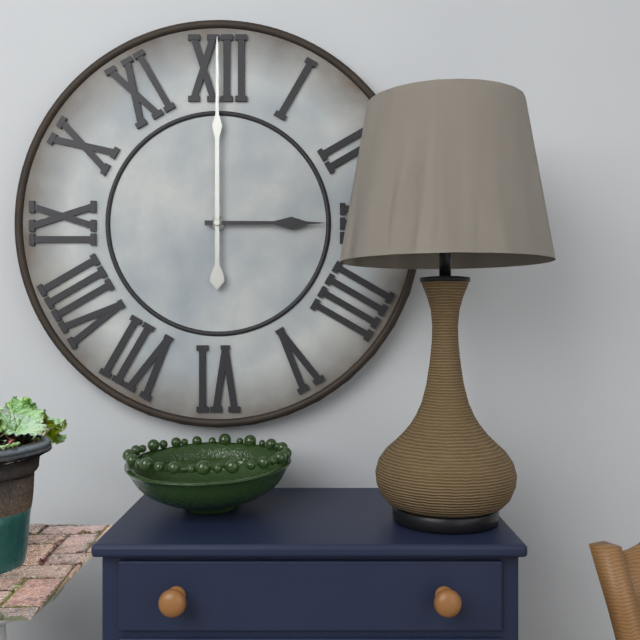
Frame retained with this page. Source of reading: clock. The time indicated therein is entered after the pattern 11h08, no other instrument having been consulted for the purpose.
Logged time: 3h00
